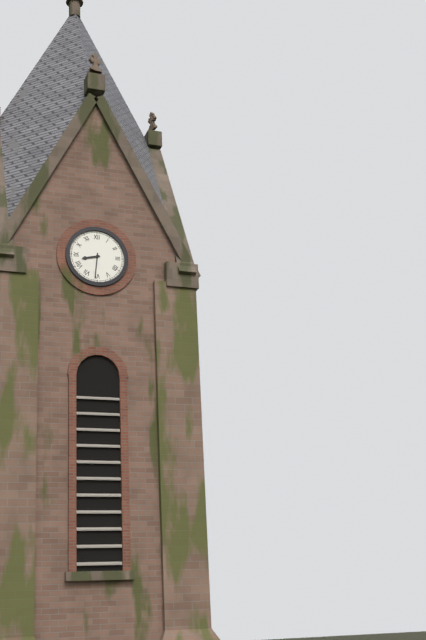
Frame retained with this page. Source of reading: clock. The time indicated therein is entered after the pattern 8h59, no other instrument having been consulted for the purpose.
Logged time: 8h31
